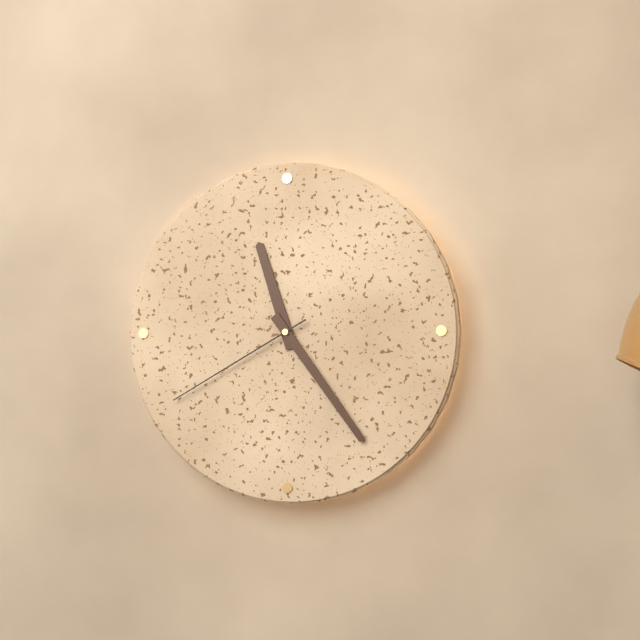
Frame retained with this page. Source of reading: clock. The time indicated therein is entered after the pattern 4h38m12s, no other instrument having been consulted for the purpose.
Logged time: 11h24m40s
